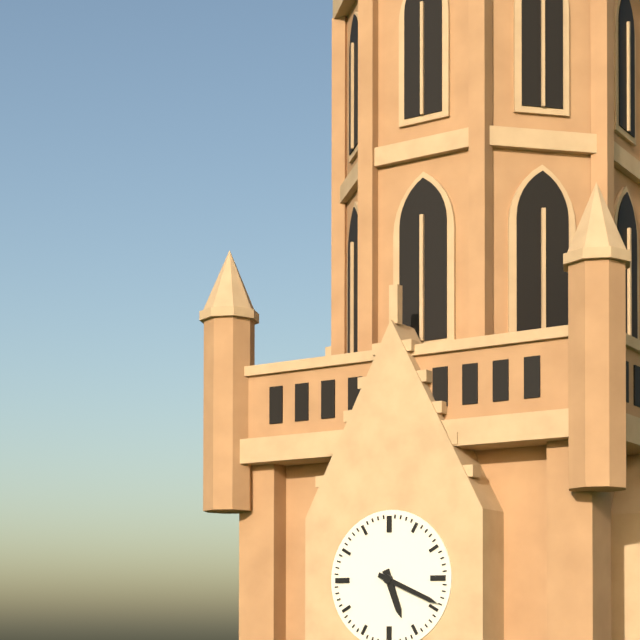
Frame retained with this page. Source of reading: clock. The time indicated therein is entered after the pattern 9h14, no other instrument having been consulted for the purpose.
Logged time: 5h19
